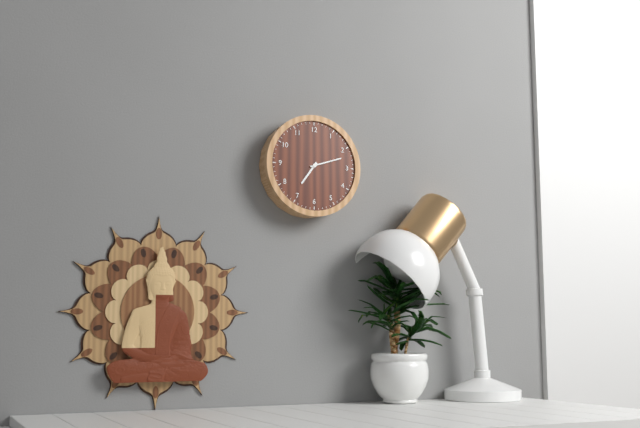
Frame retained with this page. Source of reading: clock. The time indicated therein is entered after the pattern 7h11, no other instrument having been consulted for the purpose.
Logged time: 7h12
